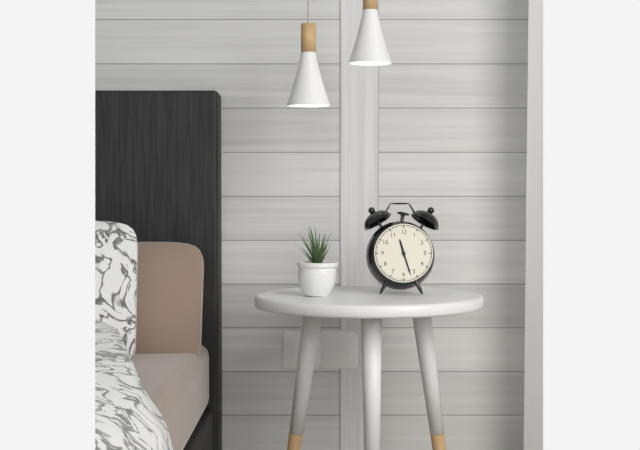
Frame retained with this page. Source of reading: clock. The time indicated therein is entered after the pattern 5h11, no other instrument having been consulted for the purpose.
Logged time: 11h27
